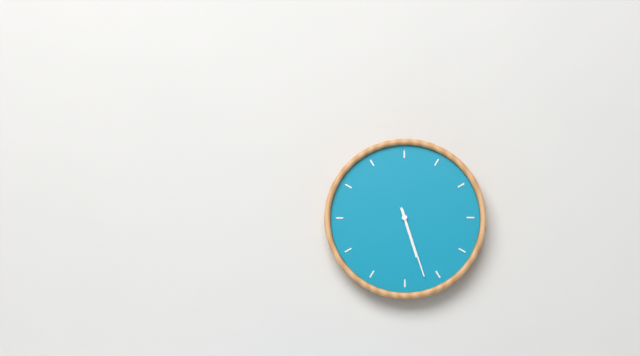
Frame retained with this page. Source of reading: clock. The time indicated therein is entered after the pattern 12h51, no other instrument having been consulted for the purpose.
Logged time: 5h27
